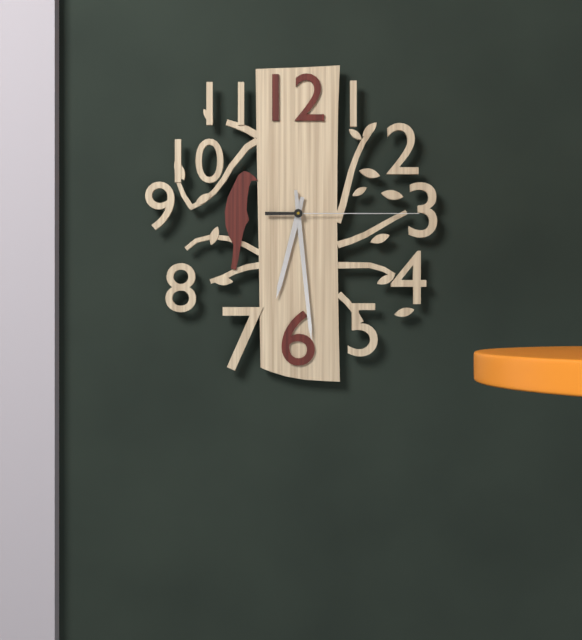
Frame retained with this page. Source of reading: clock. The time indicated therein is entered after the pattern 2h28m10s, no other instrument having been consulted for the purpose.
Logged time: 6h29m15s
